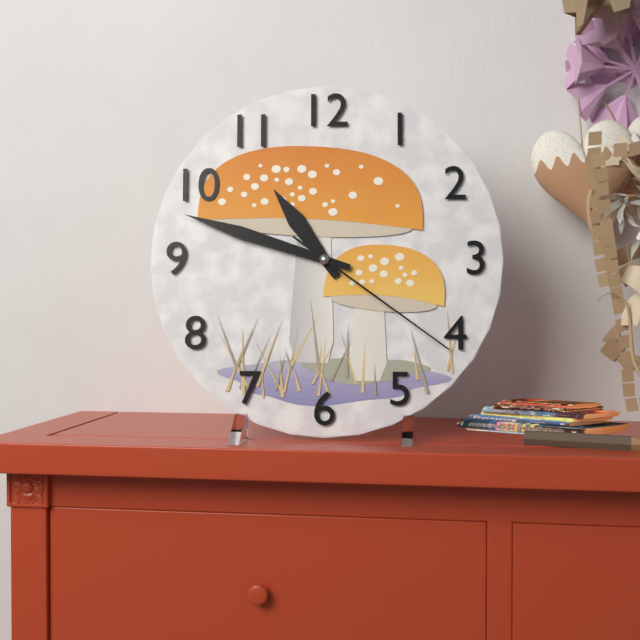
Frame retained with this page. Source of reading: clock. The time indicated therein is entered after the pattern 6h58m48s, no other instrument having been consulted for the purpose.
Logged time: 10h48m21s
